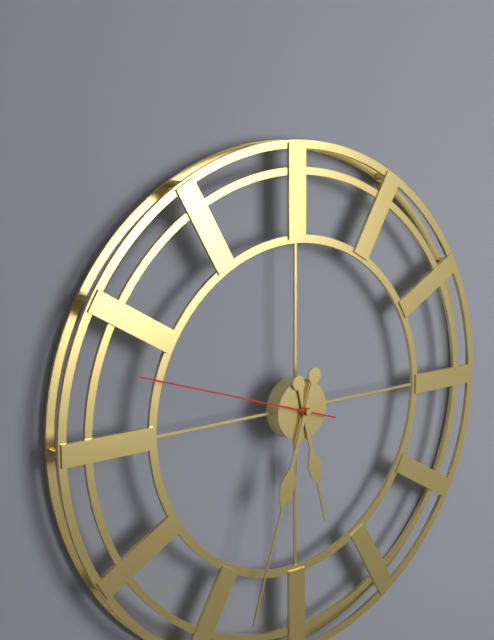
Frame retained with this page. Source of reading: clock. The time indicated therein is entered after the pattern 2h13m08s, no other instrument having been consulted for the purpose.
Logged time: 5h33m48s
